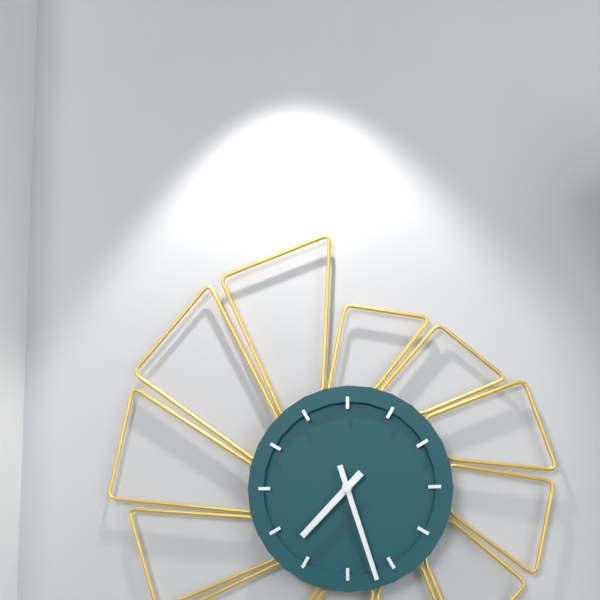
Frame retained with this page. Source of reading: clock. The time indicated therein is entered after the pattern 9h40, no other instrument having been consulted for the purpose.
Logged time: 7h27
